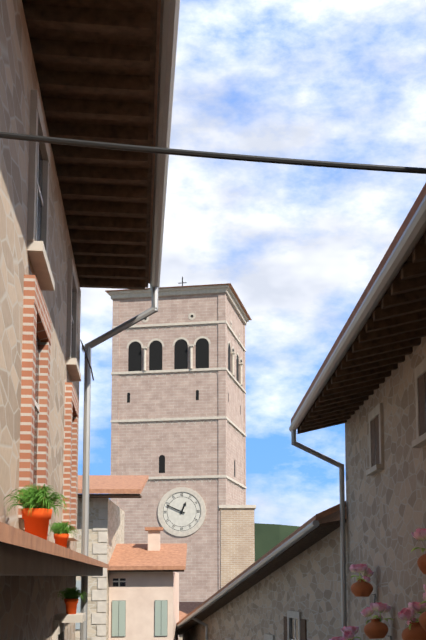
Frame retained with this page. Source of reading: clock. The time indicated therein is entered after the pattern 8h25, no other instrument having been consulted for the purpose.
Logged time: 12h49
